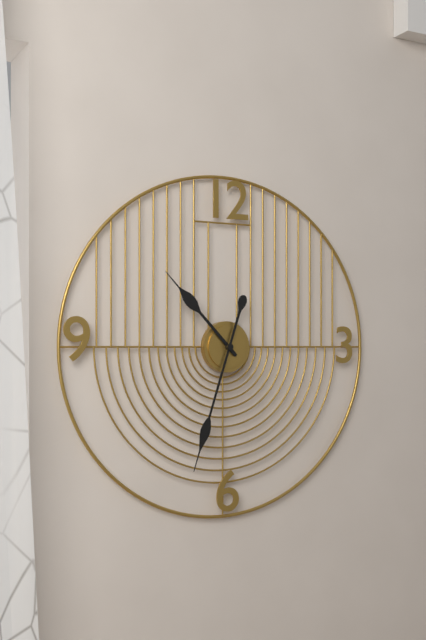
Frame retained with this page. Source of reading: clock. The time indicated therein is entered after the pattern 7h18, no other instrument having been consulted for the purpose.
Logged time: 10h33
